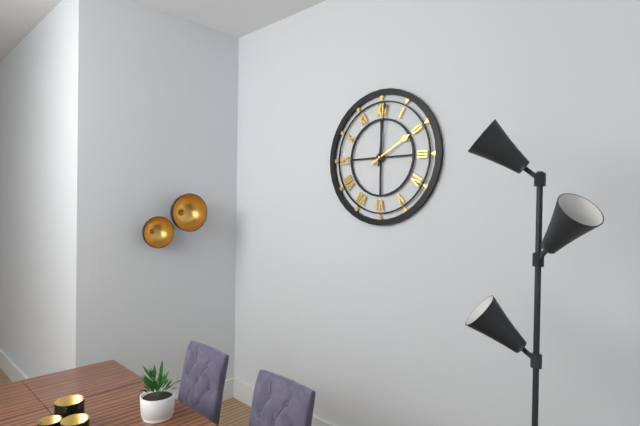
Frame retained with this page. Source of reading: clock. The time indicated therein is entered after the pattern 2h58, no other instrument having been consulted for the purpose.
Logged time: 2h01
